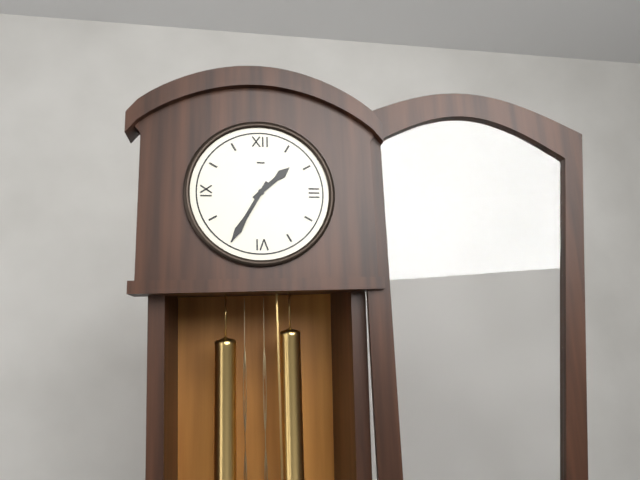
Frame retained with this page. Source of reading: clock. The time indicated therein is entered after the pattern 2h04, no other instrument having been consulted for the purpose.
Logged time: 1h35
